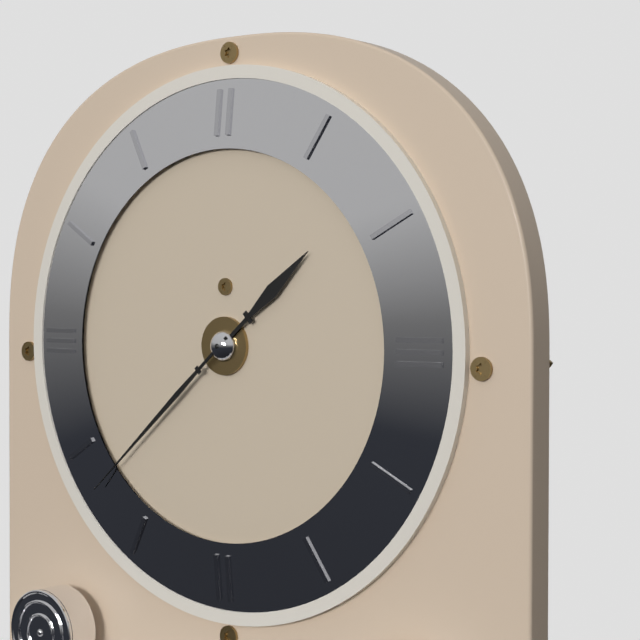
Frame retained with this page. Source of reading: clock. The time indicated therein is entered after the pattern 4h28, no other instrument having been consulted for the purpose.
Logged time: 1h38
